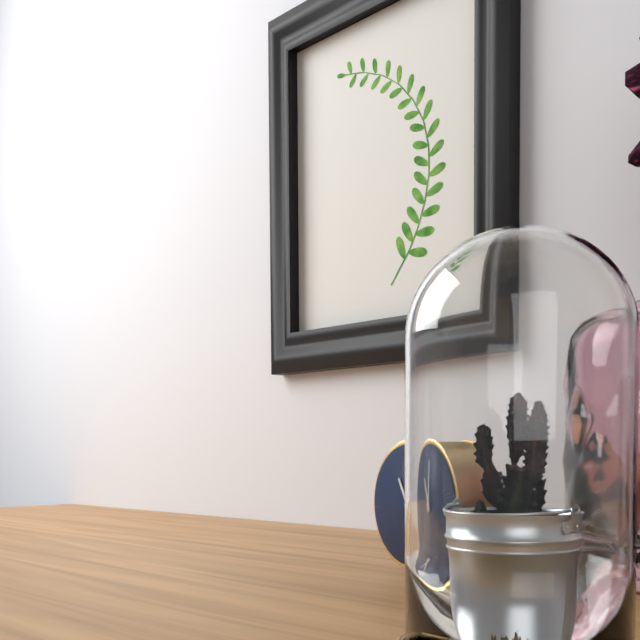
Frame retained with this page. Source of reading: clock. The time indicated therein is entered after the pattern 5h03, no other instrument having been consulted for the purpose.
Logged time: 11h01
